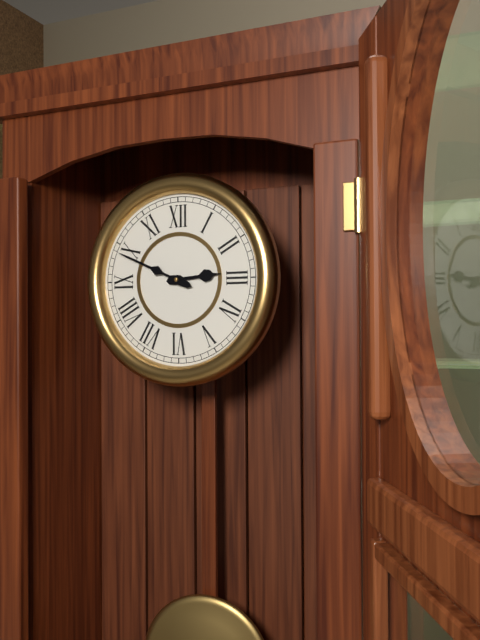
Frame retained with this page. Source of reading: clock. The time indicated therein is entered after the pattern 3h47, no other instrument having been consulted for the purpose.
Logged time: 2h49
